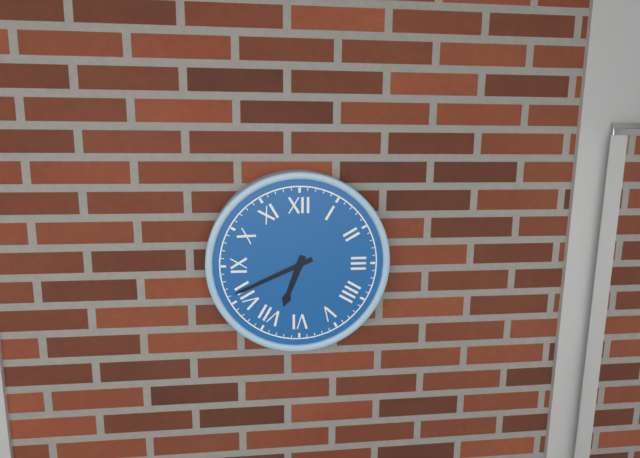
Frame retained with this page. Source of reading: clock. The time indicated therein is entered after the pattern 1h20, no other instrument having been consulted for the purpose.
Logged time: 6h41
